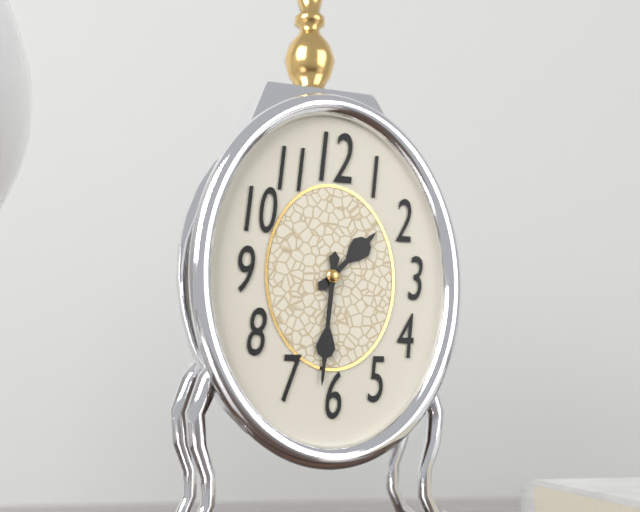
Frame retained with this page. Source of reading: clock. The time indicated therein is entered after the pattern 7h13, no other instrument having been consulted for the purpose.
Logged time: 1h31
